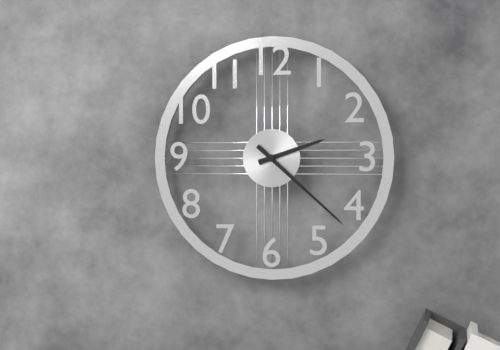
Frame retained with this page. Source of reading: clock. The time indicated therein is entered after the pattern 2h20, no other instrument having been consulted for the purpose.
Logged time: 2h22
